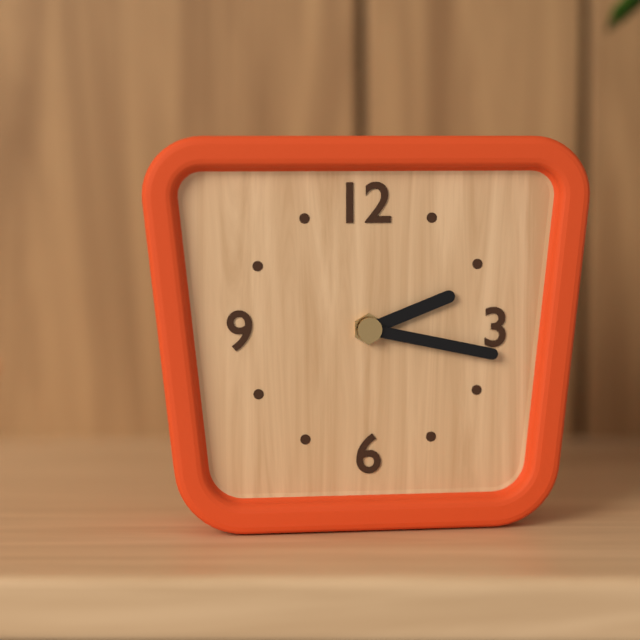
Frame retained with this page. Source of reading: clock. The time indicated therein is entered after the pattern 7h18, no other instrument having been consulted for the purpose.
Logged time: 2h17
